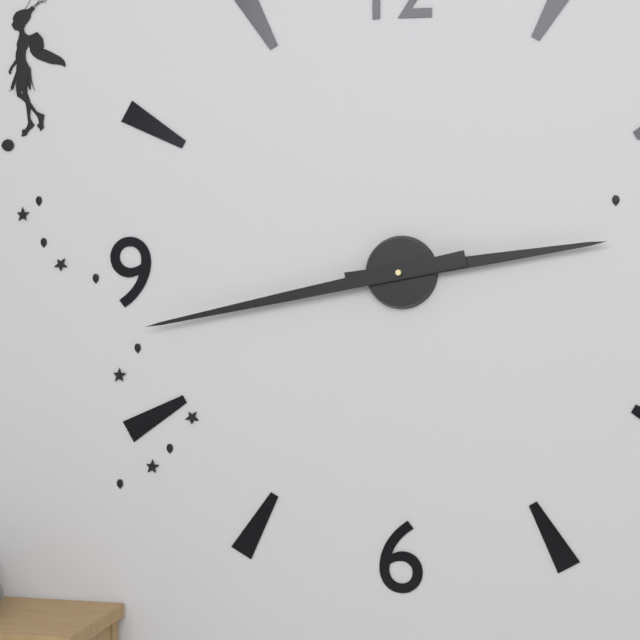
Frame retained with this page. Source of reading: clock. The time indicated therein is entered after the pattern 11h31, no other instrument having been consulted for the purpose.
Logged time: 2h43
